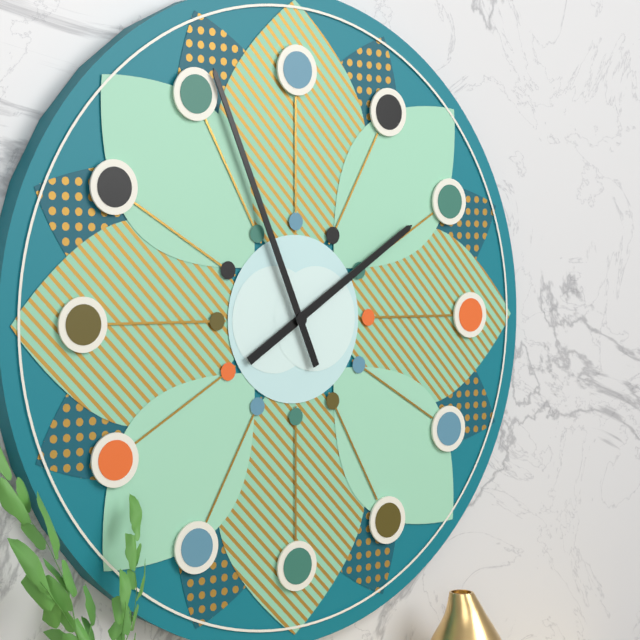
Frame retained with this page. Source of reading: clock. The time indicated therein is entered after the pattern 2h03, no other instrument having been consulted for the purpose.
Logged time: 1h56
